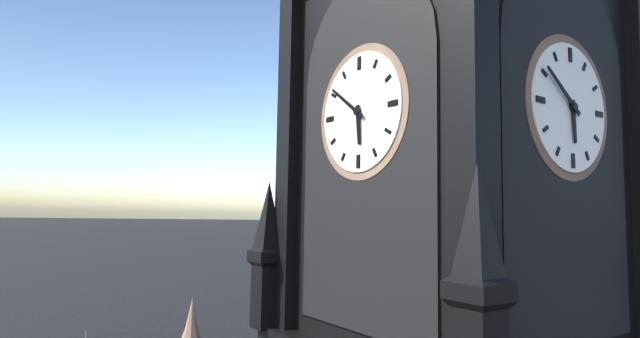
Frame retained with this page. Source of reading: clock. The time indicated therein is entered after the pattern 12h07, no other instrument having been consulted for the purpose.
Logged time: 5h51
